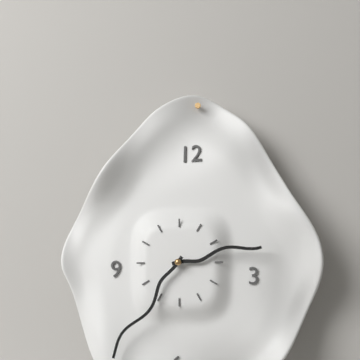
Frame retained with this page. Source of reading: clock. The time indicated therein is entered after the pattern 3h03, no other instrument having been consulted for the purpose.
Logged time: 2h36
